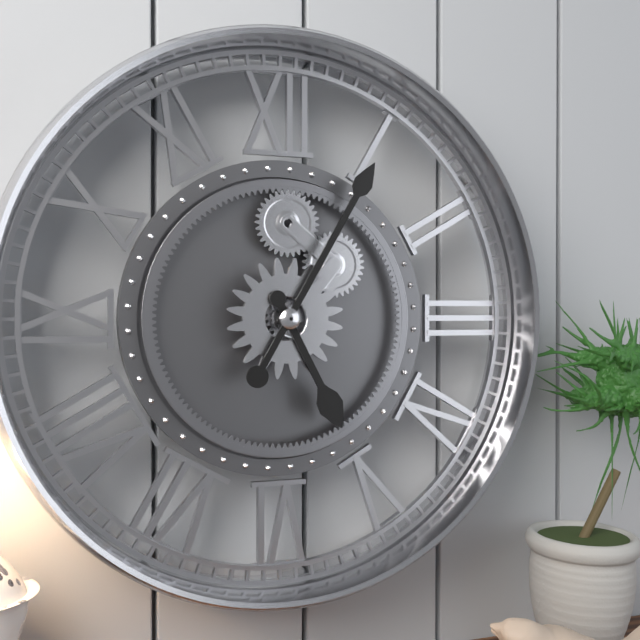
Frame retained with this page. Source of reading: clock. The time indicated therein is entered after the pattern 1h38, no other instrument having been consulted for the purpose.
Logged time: 5h05
